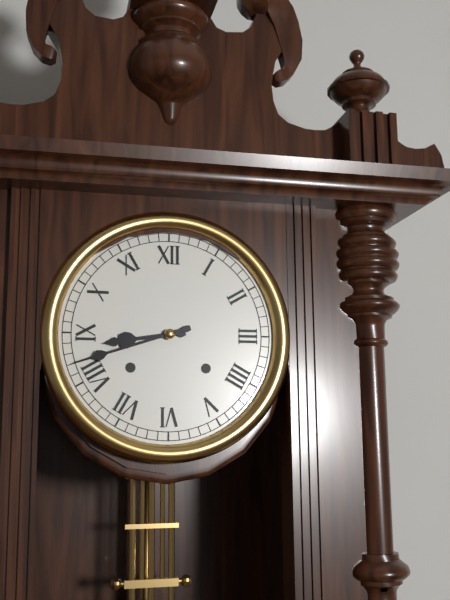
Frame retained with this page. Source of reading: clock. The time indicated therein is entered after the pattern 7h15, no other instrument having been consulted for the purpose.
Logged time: 8h42
